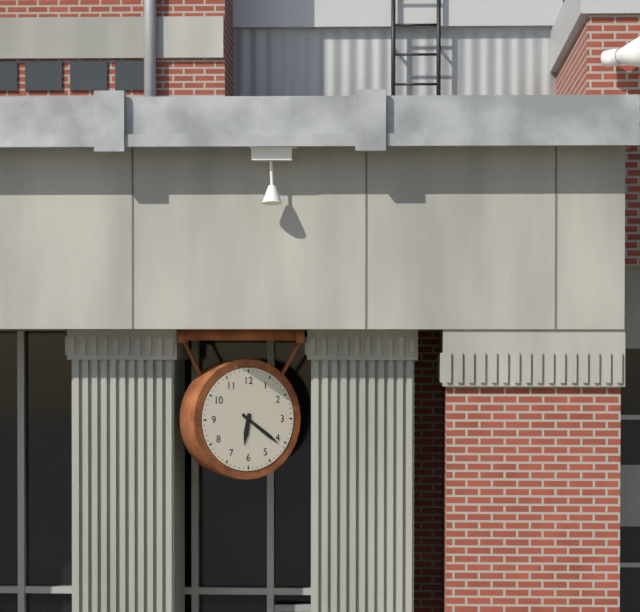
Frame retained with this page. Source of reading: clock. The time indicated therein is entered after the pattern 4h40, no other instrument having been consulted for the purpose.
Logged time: 6h21
